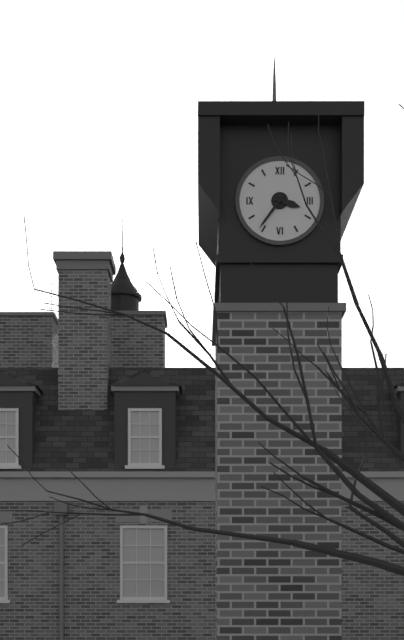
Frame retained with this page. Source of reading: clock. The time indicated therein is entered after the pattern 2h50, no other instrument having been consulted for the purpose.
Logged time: 3h36
